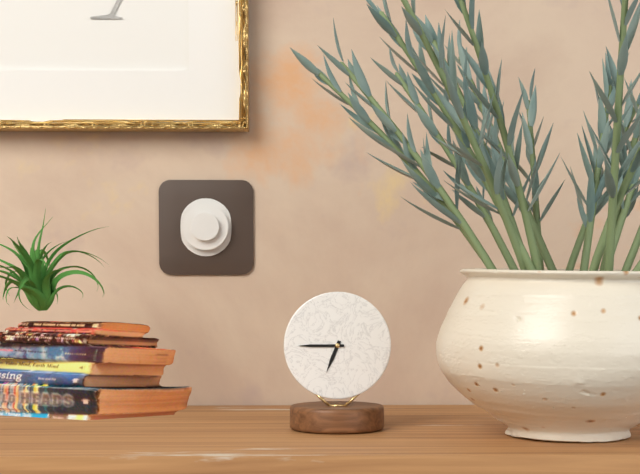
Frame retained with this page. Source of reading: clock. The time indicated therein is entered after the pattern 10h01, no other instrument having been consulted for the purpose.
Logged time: 6h45
